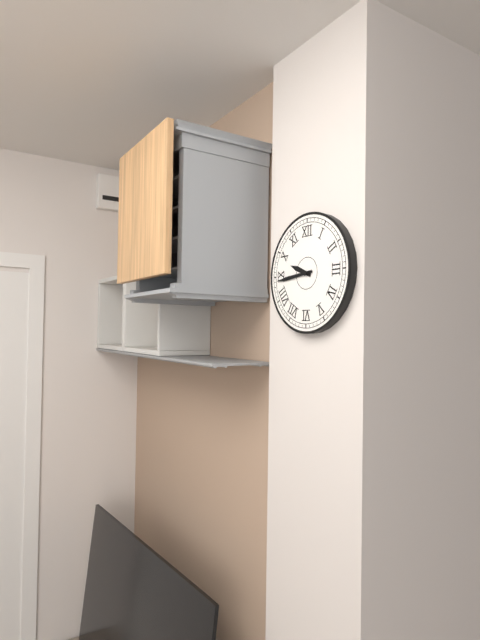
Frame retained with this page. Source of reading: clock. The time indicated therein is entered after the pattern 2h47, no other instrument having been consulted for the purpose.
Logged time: 9h44
